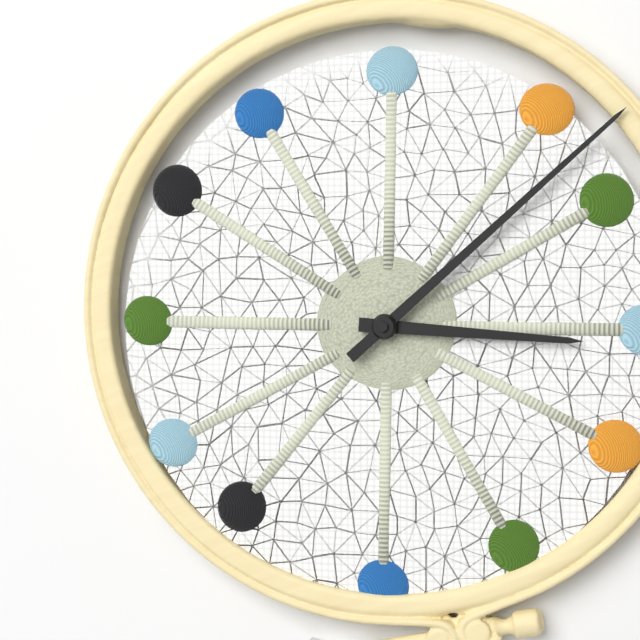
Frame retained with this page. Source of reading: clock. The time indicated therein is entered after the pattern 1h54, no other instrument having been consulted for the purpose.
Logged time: 3h08
